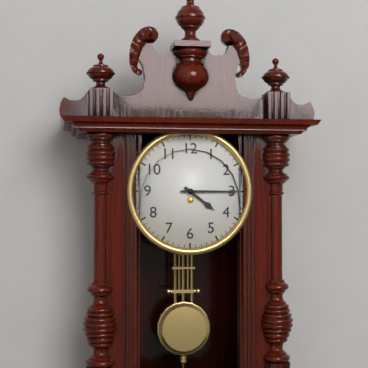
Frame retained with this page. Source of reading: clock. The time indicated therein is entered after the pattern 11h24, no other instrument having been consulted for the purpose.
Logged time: 4h15
